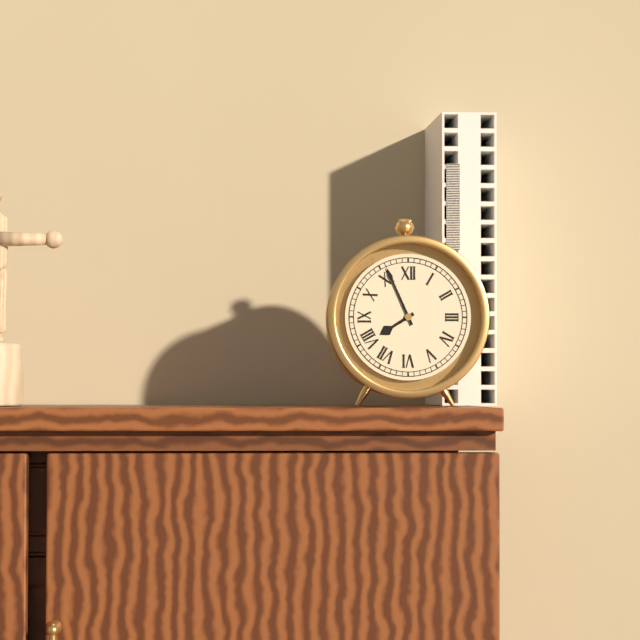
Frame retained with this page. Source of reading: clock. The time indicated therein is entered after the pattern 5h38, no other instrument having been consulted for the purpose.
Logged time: 7h56
